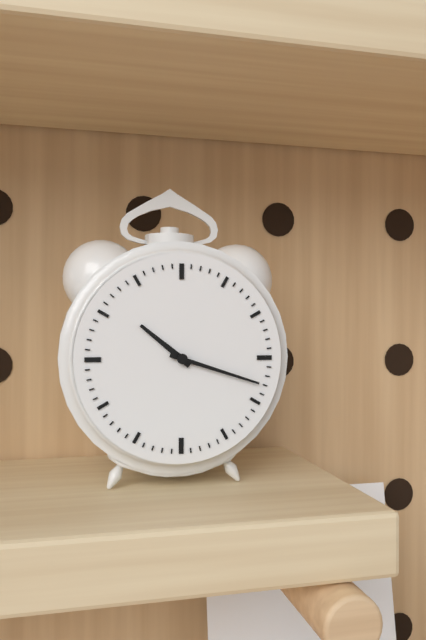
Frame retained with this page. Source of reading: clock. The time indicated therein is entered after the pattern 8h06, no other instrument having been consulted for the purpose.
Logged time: 10h18
